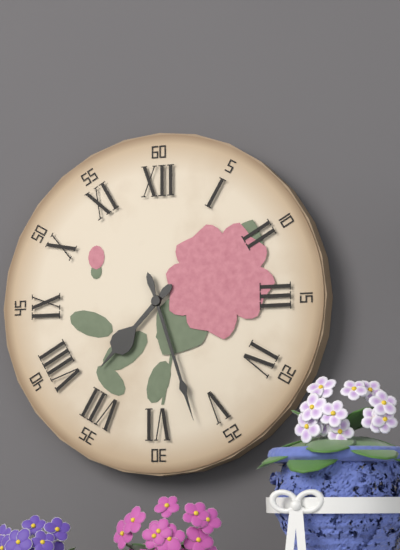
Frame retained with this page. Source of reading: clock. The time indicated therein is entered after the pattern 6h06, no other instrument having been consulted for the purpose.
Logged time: 7h27
